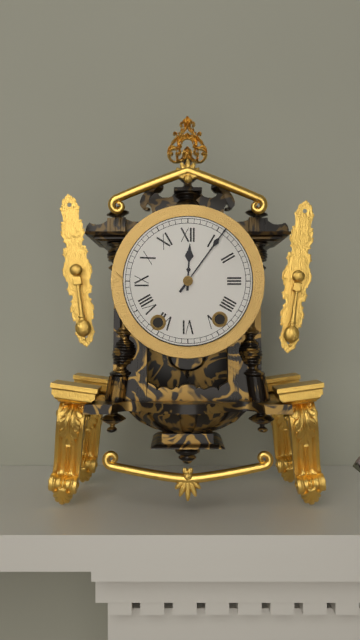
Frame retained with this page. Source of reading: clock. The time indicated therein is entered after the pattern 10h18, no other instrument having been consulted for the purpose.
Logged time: 12h06
